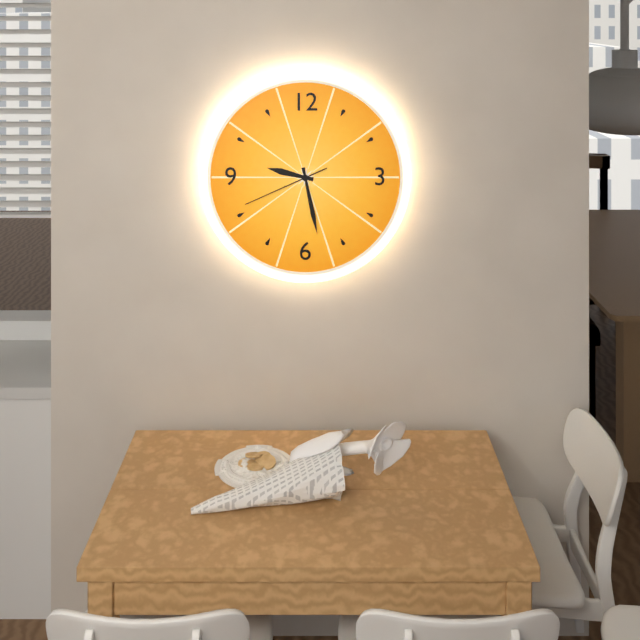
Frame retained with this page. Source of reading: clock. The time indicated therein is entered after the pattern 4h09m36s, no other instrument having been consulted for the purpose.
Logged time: 9h28m41s
